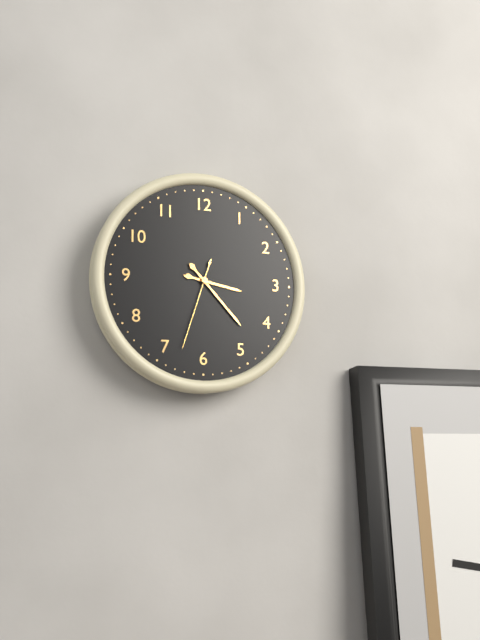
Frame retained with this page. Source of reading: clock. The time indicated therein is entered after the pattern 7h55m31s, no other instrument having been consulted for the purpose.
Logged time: 3h23m33s
